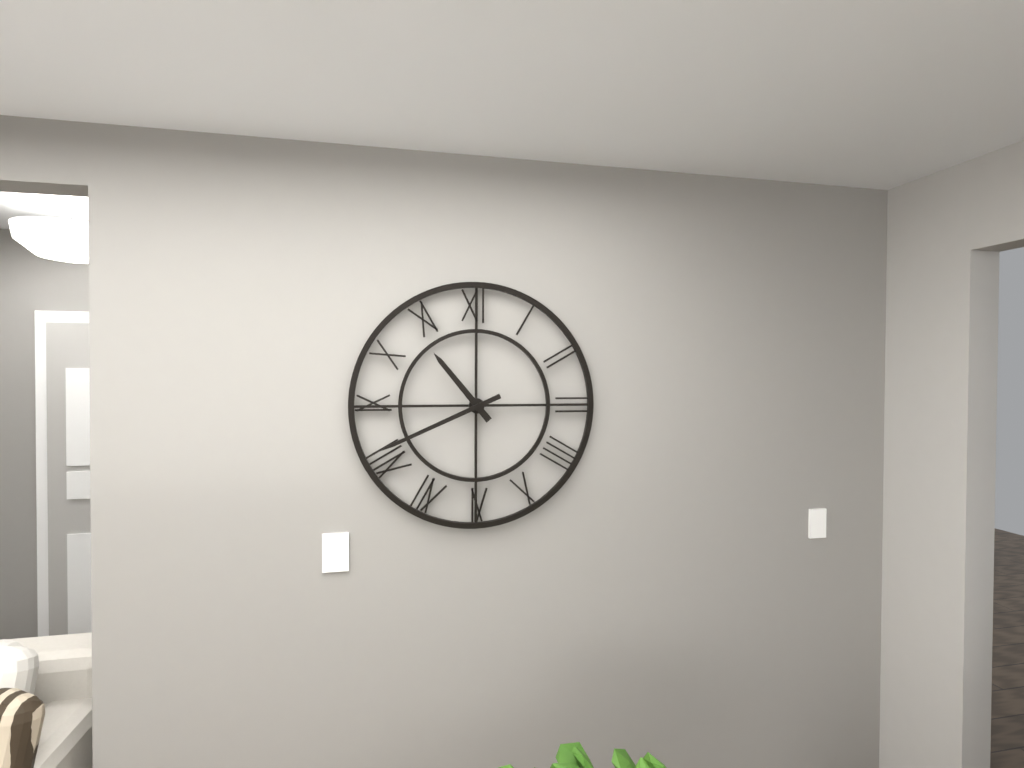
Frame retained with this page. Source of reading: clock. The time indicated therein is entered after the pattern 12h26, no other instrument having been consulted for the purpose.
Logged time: 10h41
